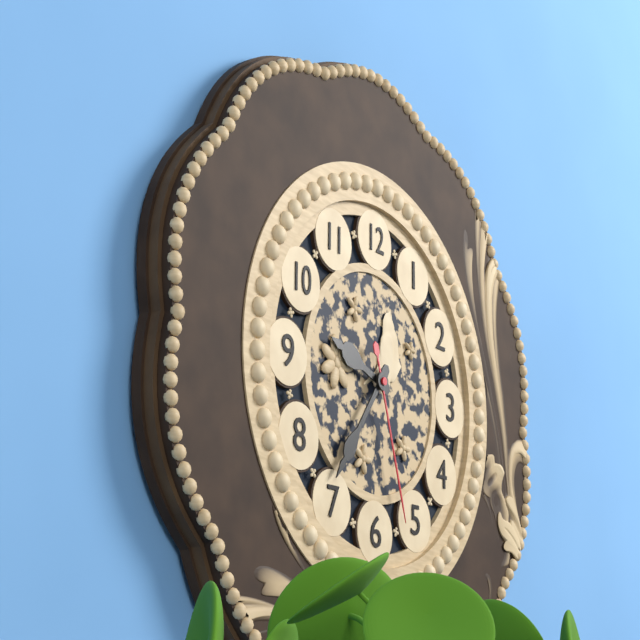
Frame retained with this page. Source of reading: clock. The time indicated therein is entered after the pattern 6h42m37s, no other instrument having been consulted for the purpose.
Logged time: 9h36m27s
